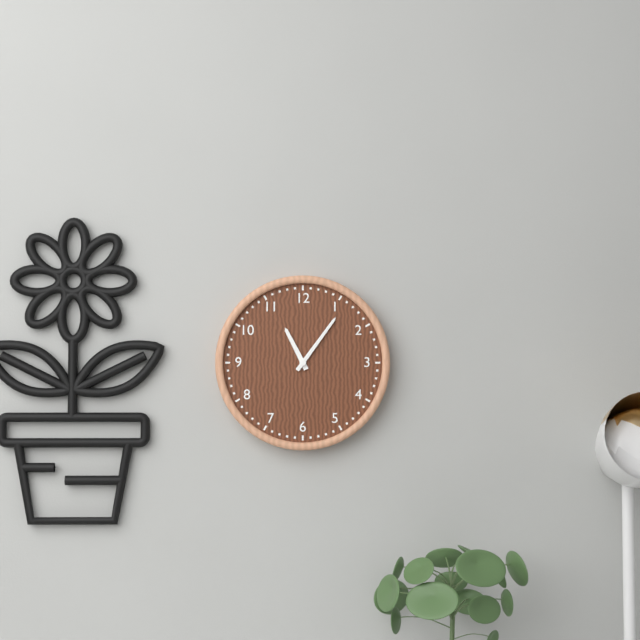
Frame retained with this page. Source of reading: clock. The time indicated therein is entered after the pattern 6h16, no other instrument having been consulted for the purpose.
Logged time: 11h06
